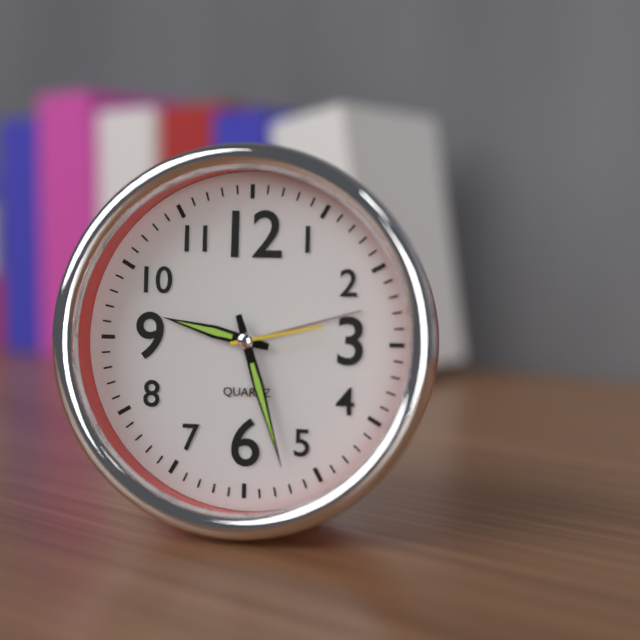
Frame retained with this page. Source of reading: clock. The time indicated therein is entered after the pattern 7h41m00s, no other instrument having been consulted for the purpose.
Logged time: 9h27m13s
